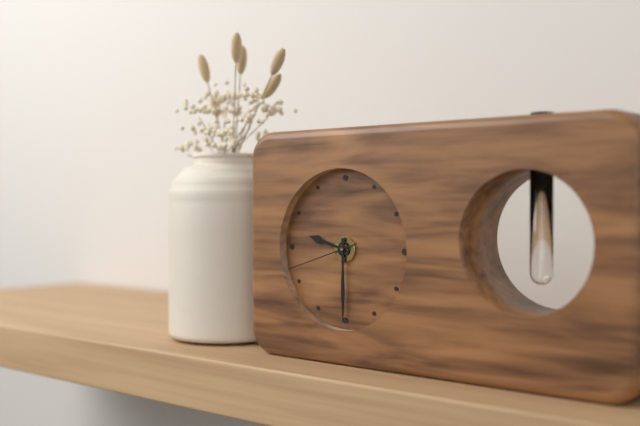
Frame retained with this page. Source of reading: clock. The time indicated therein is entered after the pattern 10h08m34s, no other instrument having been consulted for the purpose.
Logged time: 9h30m42s
